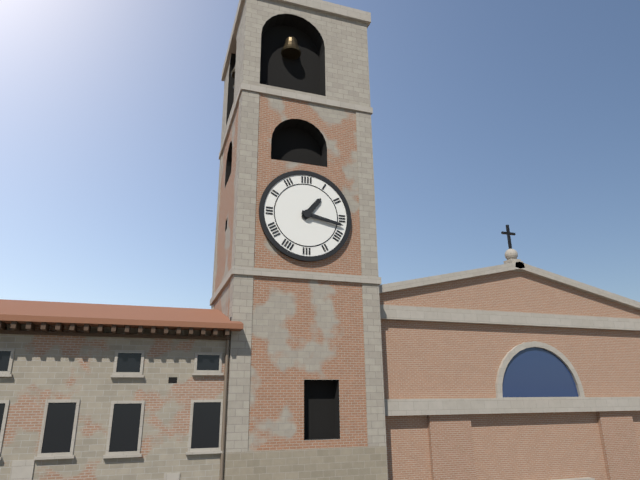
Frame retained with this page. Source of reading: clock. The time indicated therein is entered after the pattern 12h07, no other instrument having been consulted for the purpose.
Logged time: 1h17
